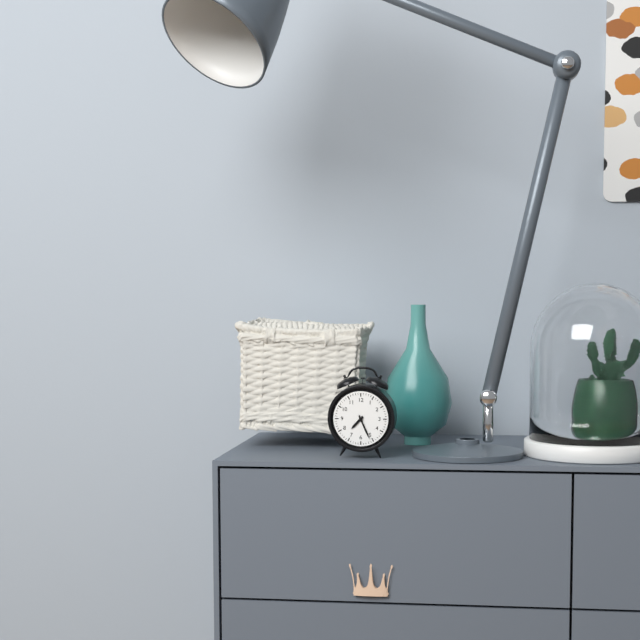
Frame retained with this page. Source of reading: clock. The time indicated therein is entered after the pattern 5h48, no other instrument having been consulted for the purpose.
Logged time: 7h26
